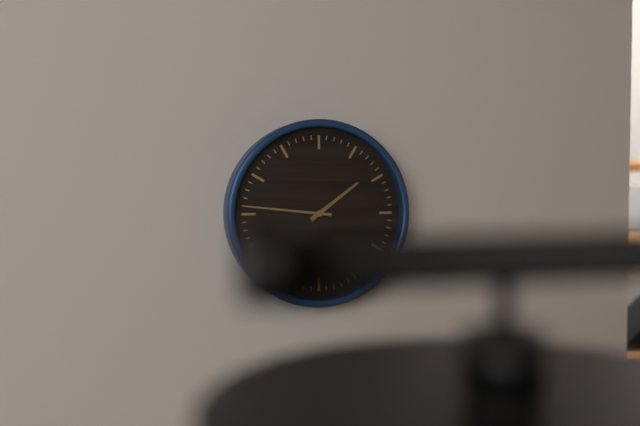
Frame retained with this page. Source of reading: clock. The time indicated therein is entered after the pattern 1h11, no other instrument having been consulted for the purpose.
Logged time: 1h46
